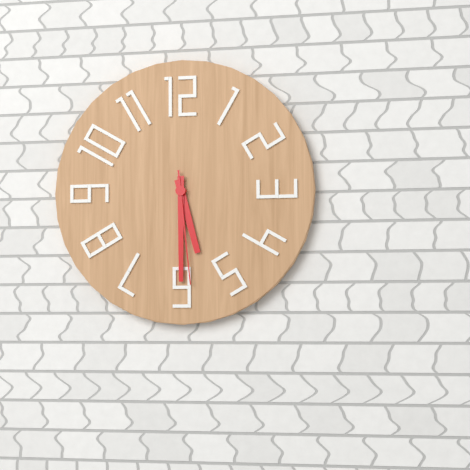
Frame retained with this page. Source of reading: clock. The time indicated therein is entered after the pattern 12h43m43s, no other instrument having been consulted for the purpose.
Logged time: 5h30m29s
